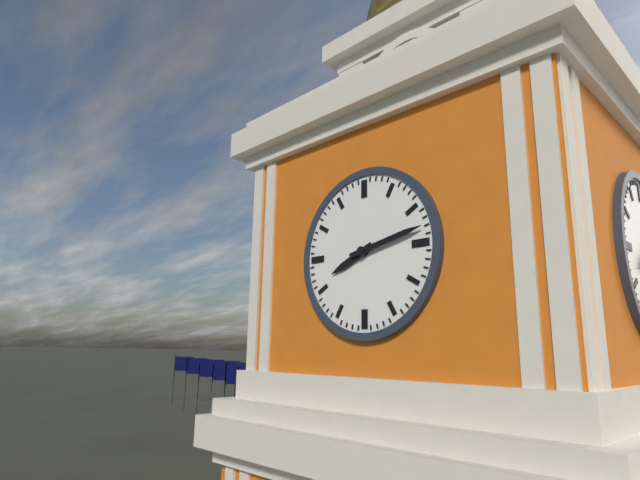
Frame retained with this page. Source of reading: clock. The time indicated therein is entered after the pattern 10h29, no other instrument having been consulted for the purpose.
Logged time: 8h13
